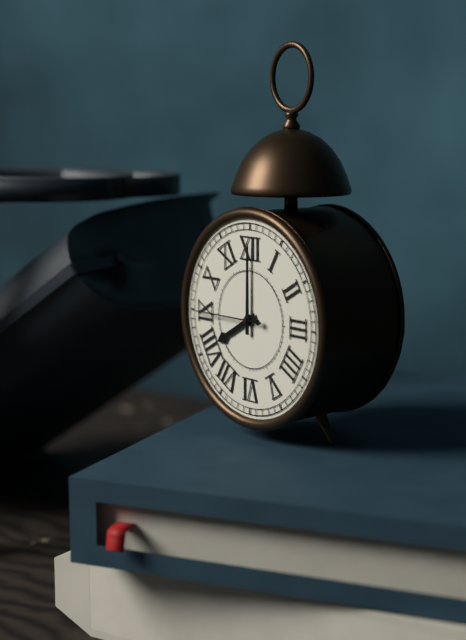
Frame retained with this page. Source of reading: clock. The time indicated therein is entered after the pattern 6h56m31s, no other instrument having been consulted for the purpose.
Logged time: 8h00m45s
